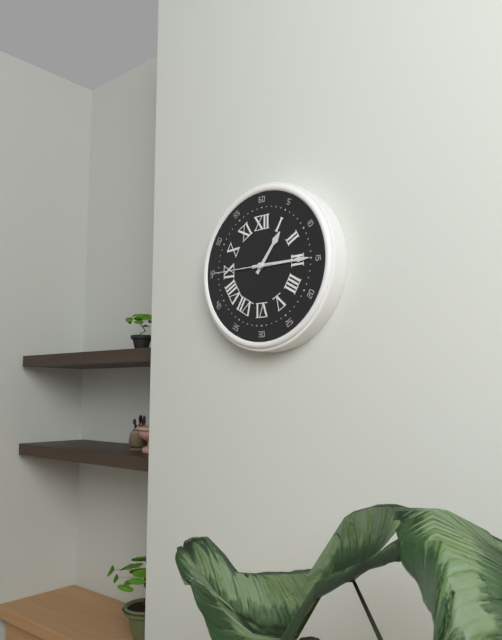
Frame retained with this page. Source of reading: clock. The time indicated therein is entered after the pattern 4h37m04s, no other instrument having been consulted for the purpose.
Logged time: 1h15m45s
